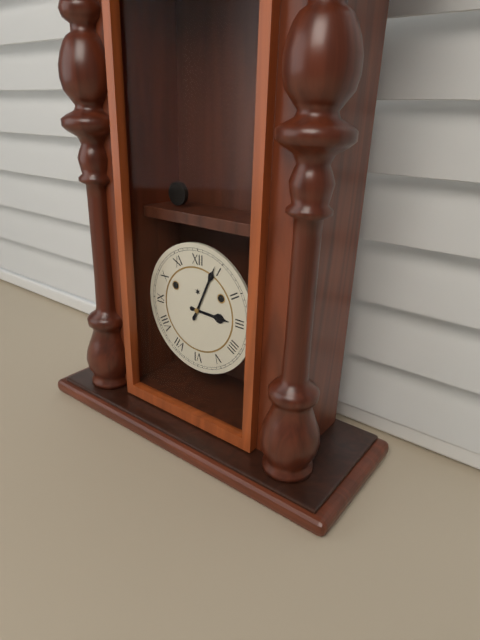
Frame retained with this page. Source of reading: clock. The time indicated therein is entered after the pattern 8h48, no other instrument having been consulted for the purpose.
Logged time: 3h04
